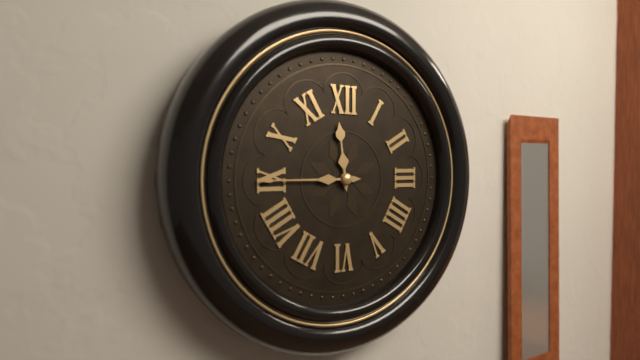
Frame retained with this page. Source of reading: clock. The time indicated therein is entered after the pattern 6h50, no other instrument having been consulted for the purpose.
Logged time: 11h45
